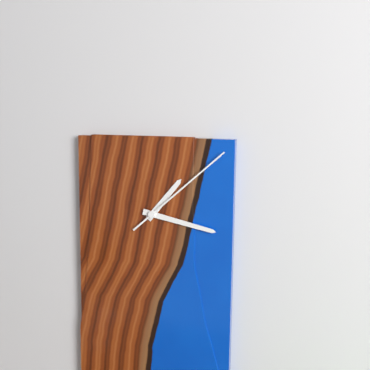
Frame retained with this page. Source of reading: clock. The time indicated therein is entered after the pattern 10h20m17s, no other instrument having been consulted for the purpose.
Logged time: 1h17m08s
